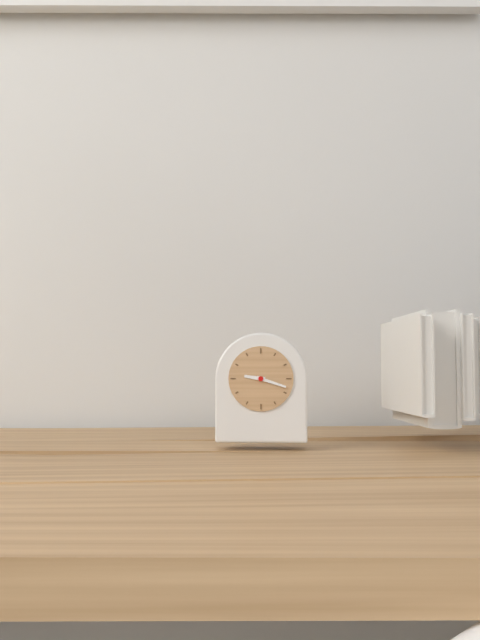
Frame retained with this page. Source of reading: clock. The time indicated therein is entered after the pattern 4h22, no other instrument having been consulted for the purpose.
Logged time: 9h18
